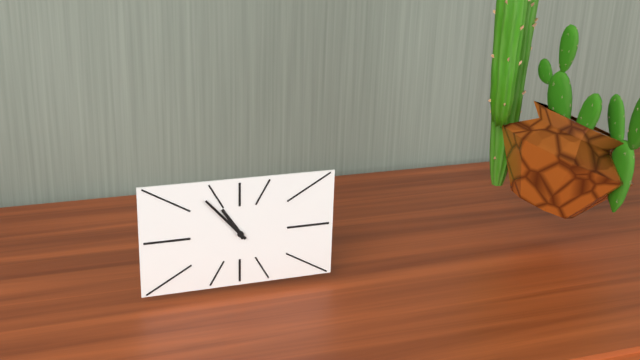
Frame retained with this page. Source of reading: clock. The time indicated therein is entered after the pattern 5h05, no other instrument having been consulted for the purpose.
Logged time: 10h53
